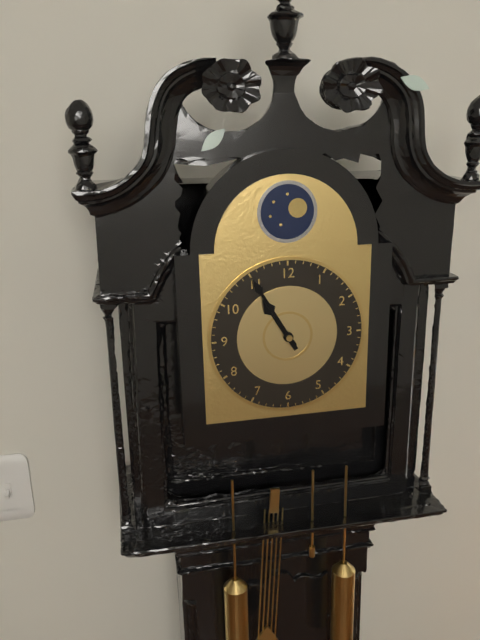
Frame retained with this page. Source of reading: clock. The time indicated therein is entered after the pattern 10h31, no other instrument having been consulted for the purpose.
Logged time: 10h55
